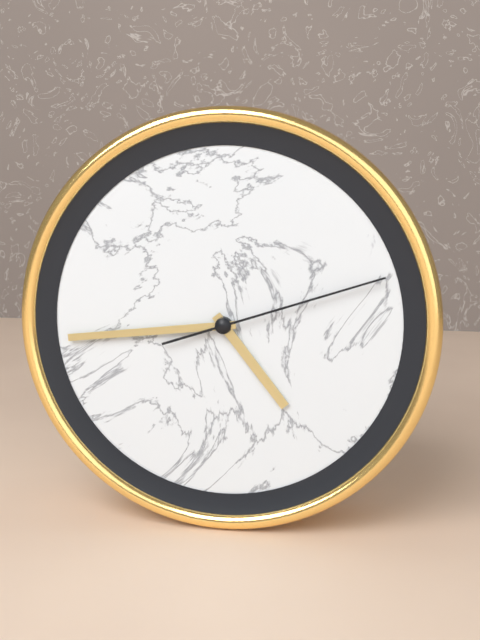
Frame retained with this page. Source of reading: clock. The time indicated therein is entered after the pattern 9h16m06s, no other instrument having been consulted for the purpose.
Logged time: 4h44m12s
